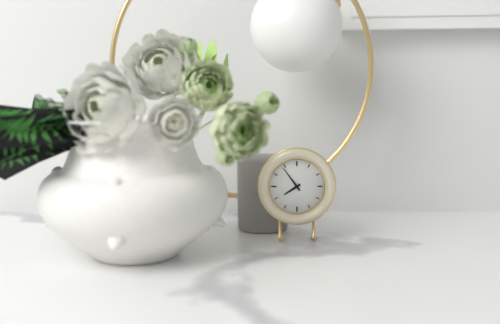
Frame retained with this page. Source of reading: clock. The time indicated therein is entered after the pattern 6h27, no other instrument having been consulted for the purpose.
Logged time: 7h54
